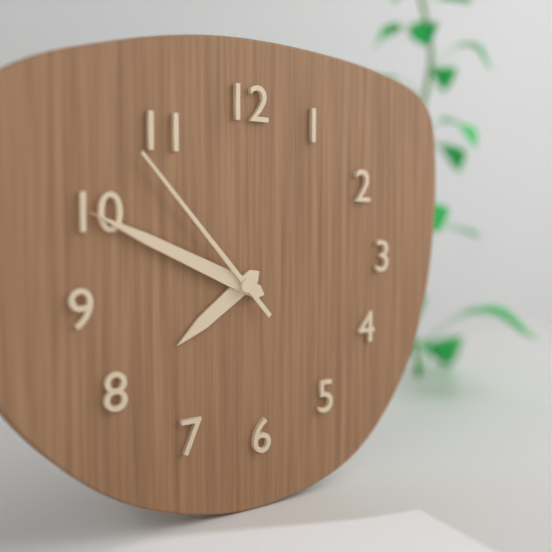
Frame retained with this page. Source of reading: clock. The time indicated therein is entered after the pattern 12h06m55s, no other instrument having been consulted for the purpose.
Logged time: 7h49m53s
